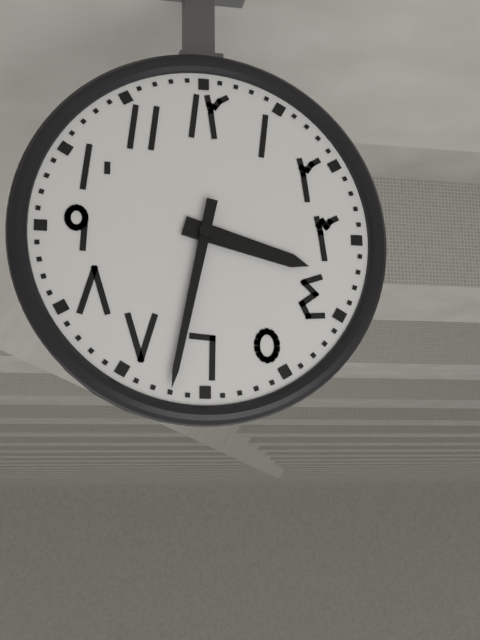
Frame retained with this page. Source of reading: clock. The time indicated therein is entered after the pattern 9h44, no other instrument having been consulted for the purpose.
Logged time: 3h32
